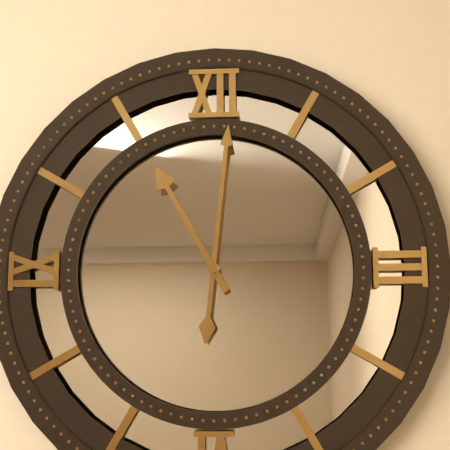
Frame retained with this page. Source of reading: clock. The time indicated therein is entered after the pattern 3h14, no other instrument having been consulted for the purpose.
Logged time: 11h01
